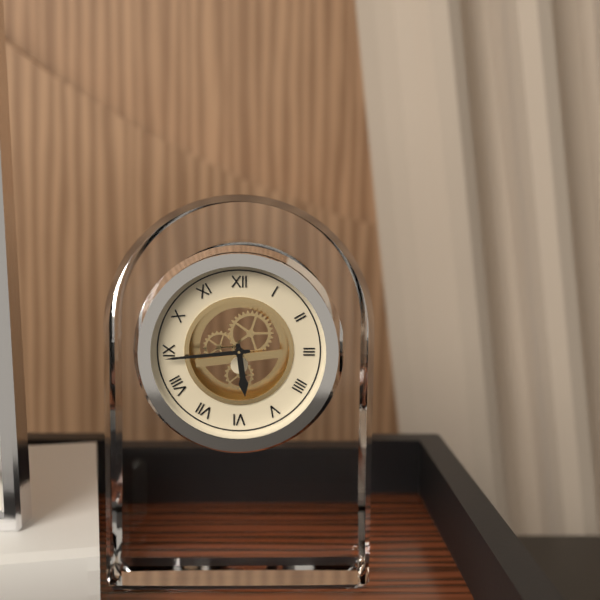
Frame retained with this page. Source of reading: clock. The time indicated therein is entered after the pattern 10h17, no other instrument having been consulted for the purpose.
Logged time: 5h44
